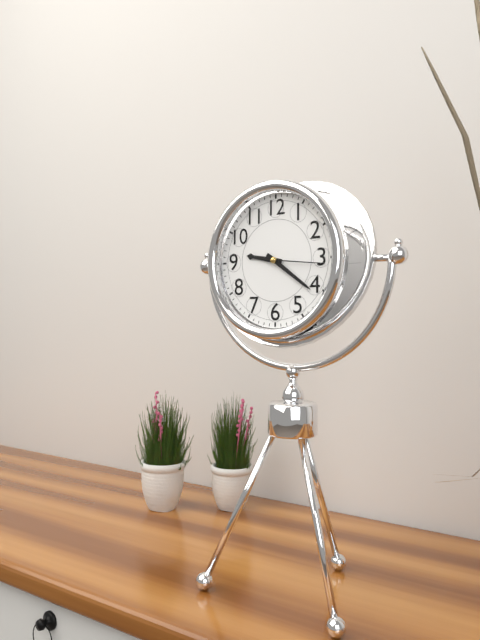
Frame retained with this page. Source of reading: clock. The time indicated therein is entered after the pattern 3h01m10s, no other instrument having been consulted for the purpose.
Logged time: 9h21m16s
